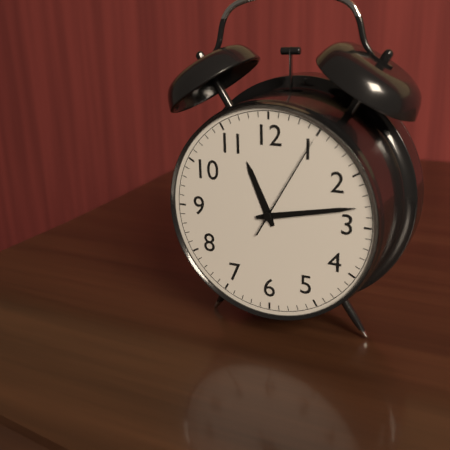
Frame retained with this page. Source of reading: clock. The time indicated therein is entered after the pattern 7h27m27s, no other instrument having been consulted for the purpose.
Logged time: 11h13m05s
